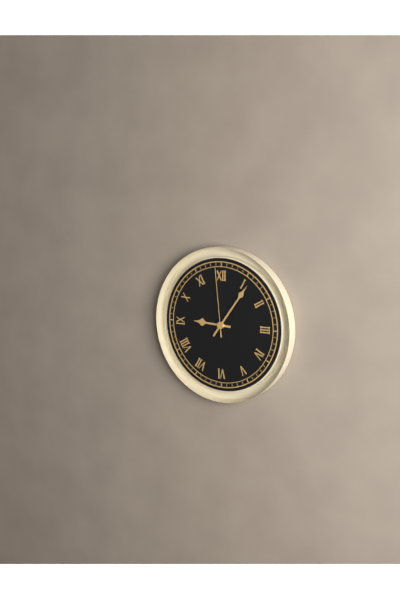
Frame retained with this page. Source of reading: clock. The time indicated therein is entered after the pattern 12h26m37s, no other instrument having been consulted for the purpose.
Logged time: 9h06m59s
